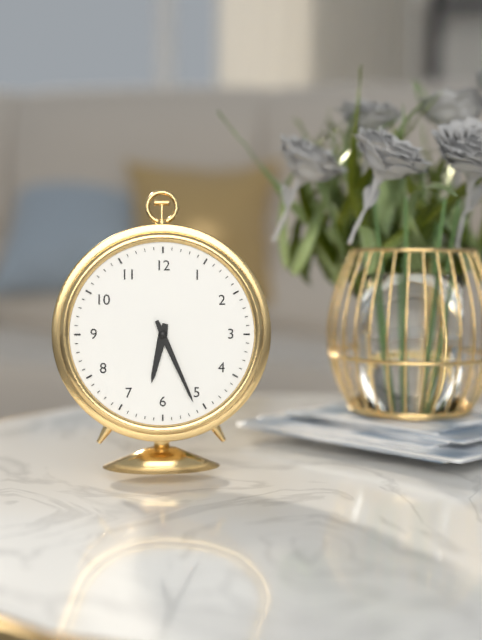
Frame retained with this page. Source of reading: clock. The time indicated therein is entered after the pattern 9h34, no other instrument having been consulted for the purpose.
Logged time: 6h26
